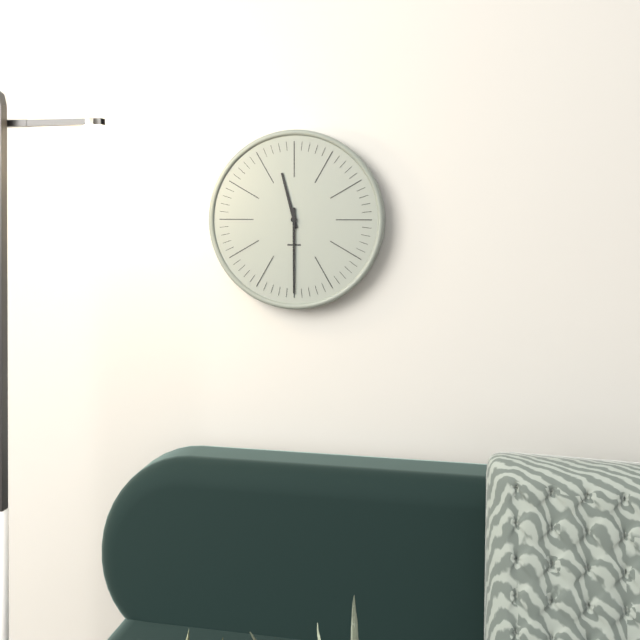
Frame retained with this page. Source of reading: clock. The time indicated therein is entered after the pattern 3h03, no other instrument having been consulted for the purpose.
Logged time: 11h30
